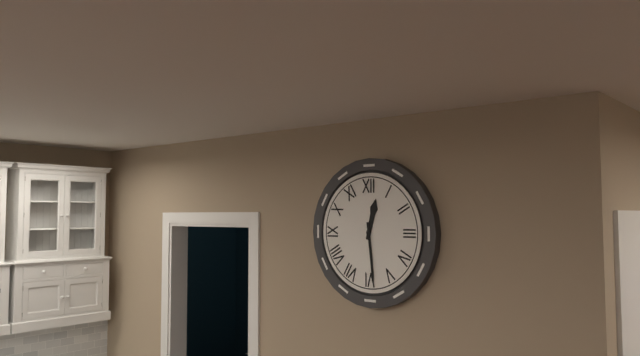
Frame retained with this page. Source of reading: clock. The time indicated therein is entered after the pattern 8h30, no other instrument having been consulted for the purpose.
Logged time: 12h29
